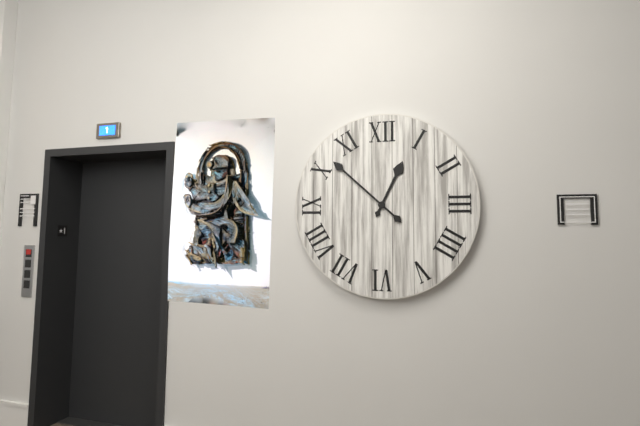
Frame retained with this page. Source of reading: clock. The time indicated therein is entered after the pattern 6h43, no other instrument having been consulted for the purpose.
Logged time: 12h52
